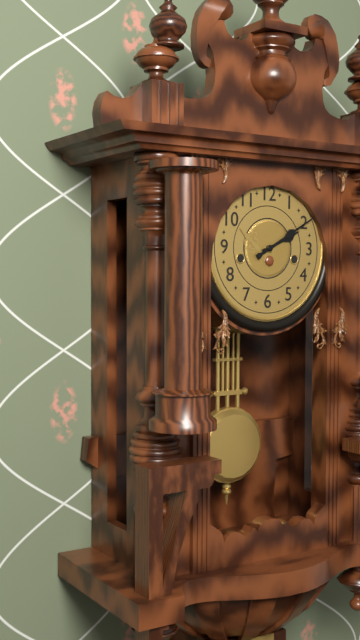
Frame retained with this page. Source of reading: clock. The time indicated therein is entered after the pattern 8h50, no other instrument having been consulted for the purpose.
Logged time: 2h10
